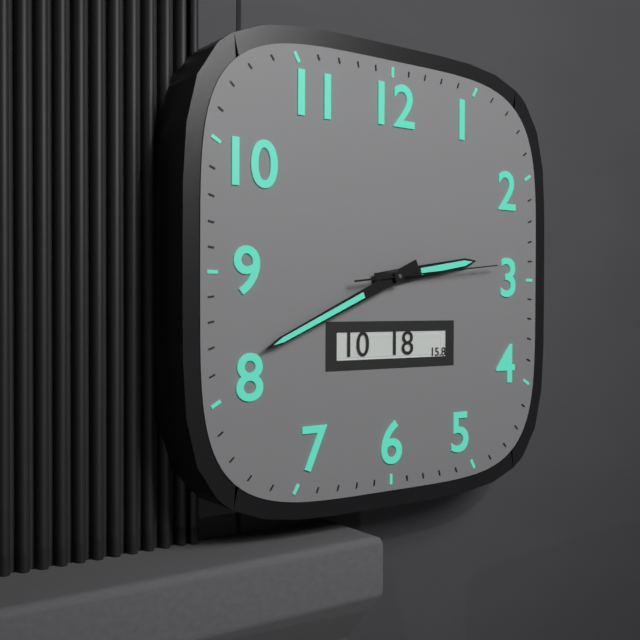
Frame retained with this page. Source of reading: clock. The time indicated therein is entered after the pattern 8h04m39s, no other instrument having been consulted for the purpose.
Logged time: 2h41m14s
